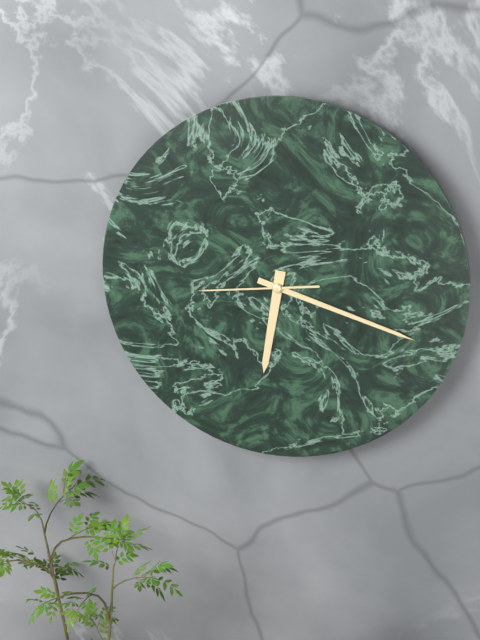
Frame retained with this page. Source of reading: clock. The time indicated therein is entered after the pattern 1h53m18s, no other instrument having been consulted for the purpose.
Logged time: 6h18m44s
